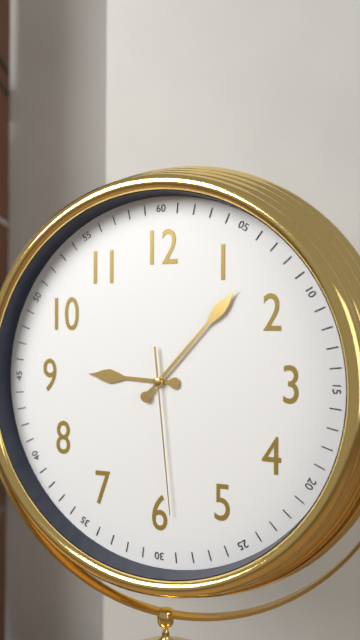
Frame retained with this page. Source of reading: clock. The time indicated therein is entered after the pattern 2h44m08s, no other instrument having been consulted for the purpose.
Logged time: 9h07m29s
